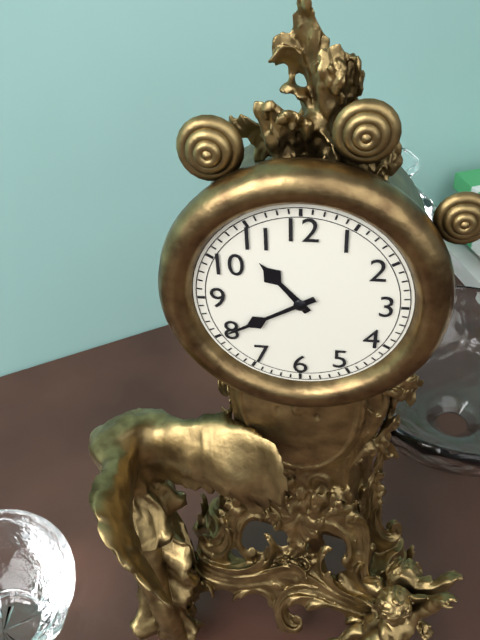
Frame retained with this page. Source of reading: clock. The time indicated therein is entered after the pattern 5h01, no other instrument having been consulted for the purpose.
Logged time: 10h40
